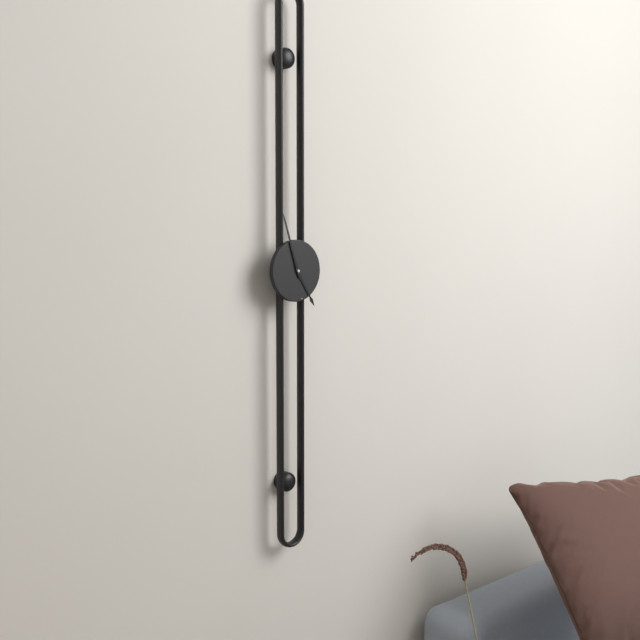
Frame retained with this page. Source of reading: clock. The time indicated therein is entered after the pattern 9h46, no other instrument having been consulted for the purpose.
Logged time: 4h57
